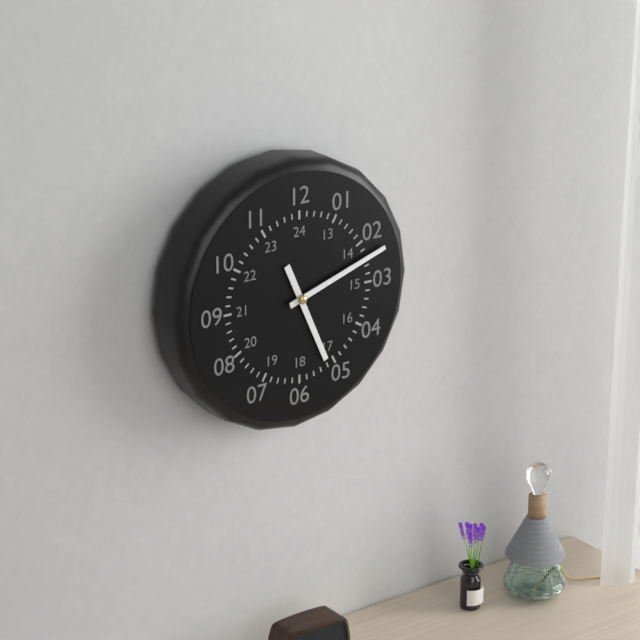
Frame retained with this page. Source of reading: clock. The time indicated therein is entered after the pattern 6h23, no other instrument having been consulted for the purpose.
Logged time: 5h12
